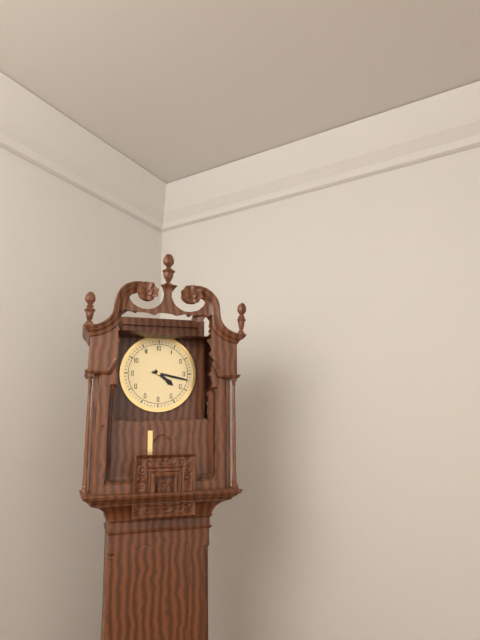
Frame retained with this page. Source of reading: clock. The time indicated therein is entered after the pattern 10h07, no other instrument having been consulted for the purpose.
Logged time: 4h17
